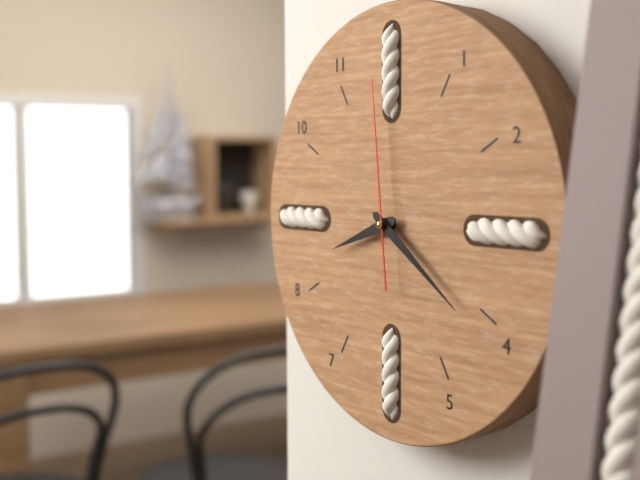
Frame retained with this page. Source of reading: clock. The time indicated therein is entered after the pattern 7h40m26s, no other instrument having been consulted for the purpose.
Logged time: 8h21m59s
